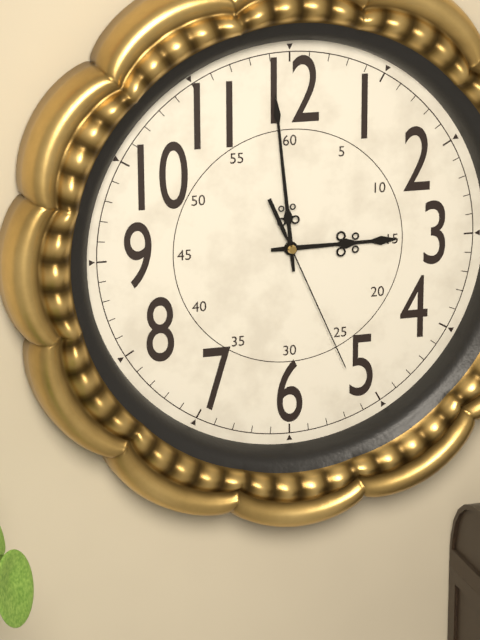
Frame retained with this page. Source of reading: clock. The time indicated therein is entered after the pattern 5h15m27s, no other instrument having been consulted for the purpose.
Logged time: 2h59m26s
